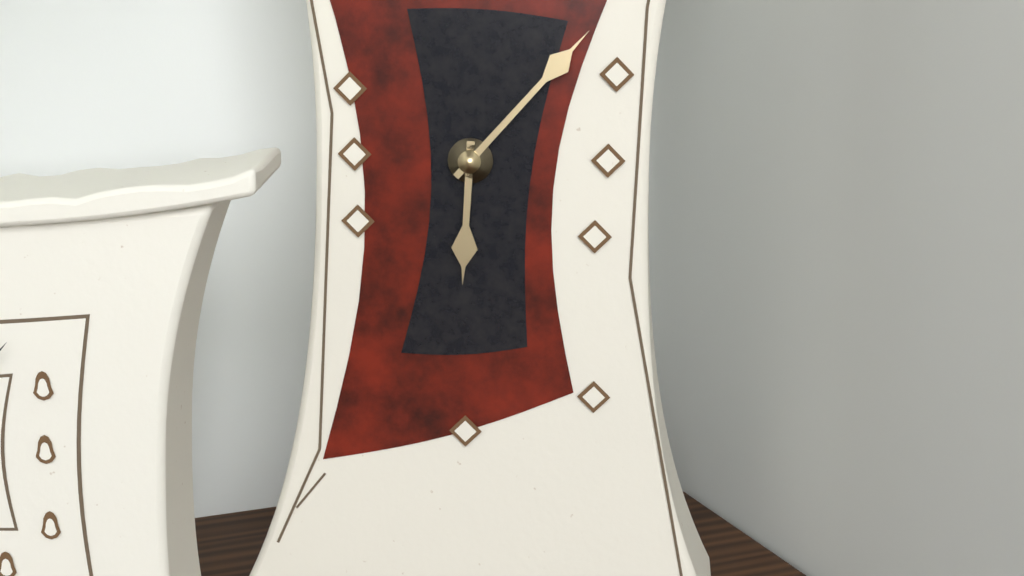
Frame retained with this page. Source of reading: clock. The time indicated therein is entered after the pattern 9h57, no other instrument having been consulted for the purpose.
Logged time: 6h07
